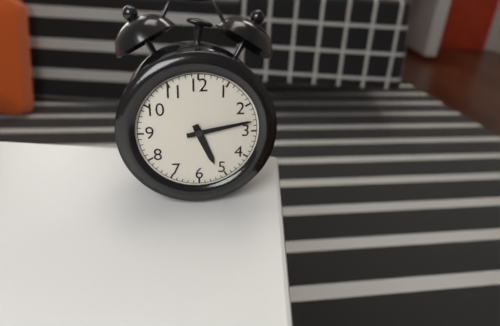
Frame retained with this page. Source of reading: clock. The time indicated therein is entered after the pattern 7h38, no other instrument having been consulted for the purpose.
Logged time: 5h13
